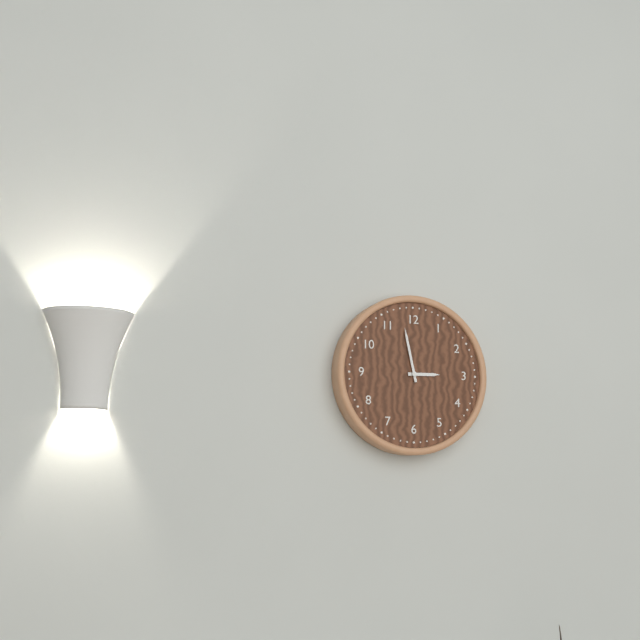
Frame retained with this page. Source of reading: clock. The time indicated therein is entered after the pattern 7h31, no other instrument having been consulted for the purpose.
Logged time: 2h58
